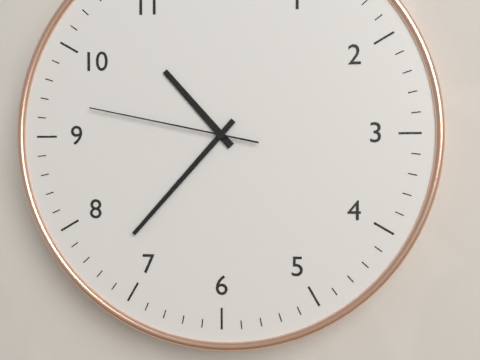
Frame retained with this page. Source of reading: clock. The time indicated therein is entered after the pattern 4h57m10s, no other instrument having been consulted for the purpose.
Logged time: 10h37m47s
